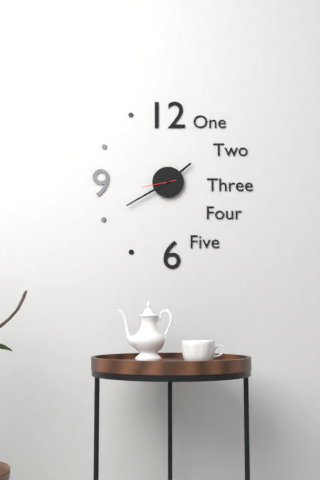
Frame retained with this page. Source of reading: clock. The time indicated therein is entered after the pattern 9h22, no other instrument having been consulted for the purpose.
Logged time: 1h40
